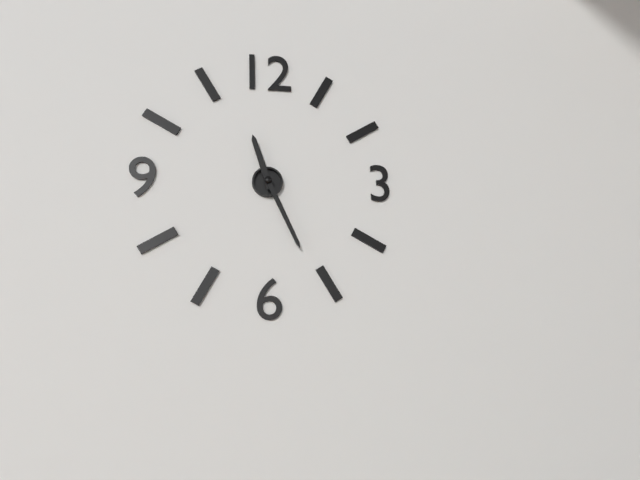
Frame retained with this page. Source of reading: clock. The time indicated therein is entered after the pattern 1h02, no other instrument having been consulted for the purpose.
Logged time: 11h26
